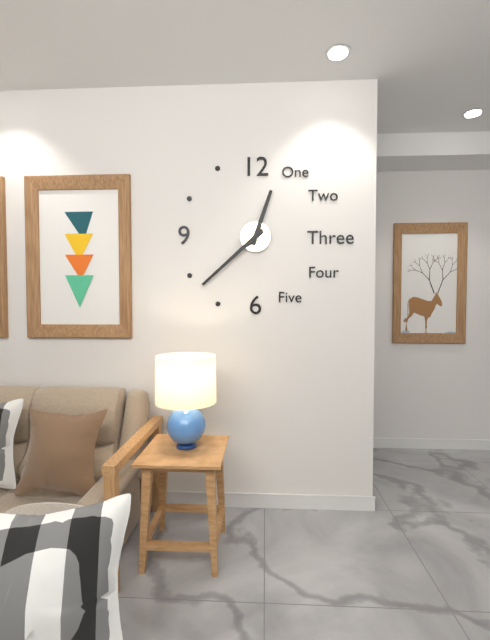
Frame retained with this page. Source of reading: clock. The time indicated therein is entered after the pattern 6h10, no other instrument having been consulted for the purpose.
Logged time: 12h38
